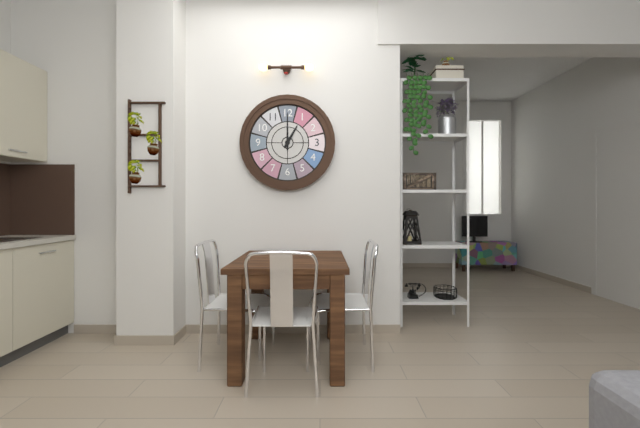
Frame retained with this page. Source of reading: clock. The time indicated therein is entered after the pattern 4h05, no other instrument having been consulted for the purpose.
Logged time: 1h00
